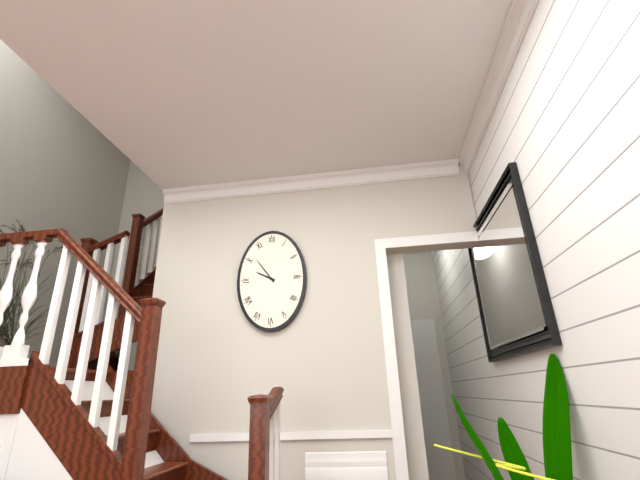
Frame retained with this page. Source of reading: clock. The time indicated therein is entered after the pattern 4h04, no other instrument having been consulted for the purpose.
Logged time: 9h54
